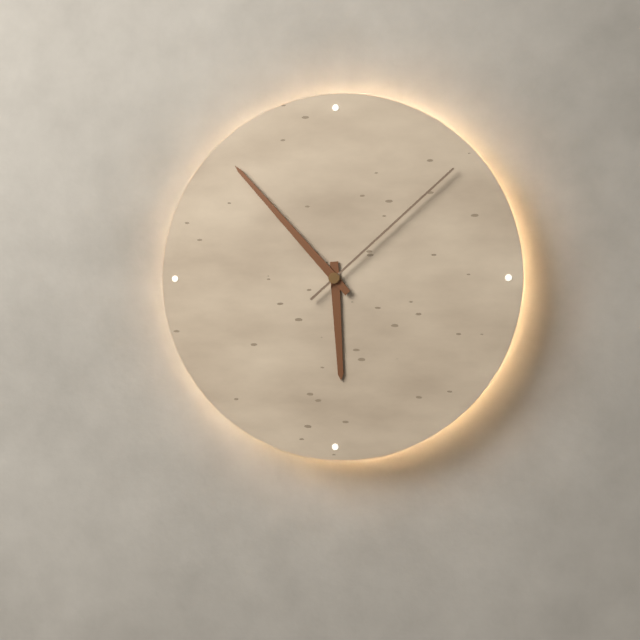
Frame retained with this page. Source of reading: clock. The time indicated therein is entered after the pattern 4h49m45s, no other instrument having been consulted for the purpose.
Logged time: 5h53m08s
